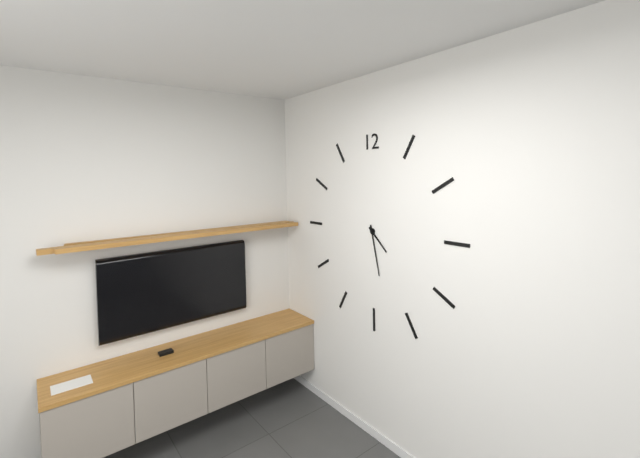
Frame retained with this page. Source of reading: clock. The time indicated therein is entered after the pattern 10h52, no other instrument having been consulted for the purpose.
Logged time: 4h28
